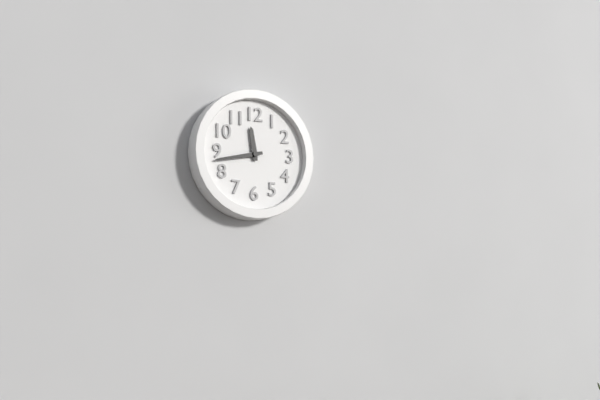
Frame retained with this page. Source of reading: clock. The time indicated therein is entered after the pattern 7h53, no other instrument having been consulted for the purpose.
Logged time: 11h43
